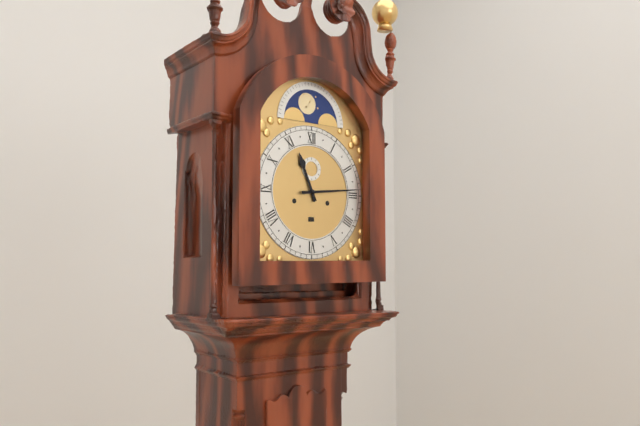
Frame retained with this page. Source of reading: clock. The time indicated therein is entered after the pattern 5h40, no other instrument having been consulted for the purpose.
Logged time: 11h14
